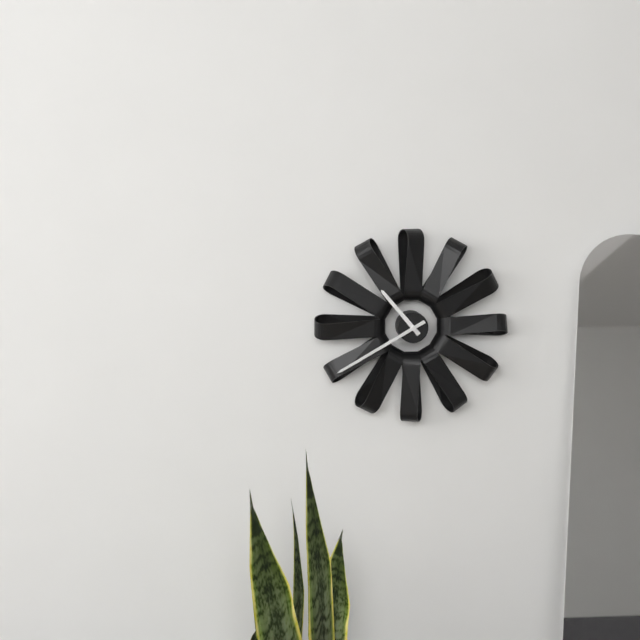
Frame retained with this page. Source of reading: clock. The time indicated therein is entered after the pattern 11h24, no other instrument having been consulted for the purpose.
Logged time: 10h40
